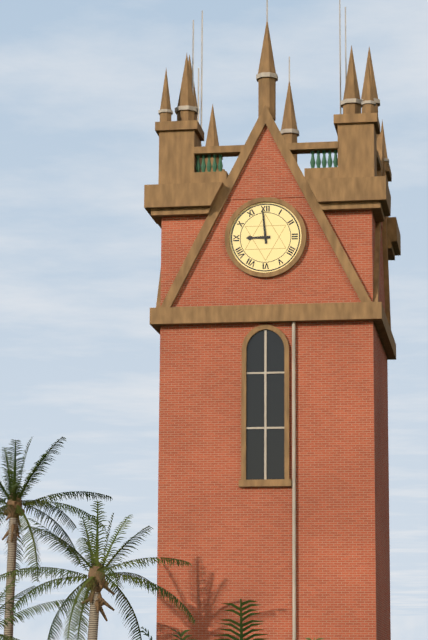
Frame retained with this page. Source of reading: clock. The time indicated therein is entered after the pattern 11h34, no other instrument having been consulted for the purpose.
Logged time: 8h59
